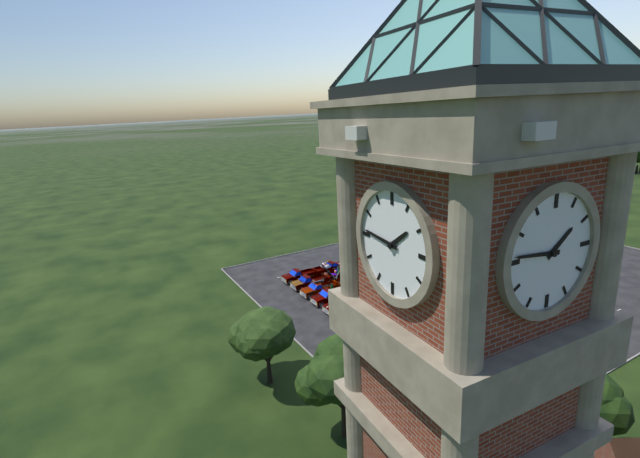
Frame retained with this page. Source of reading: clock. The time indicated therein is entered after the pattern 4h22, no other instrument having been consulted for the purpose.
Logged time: 1h46
